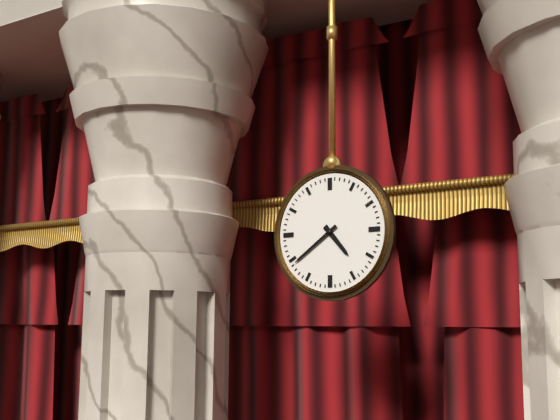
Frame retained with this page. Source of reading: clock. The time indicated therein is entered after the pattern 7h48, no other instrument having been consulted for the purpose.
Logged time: 4h39
